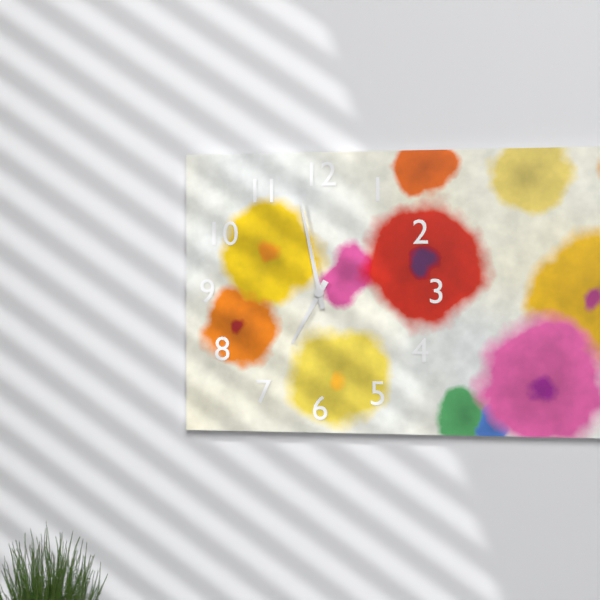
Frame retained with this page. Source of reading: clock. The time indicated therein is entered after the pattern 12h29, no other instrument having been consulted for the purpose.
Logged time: 6h58
